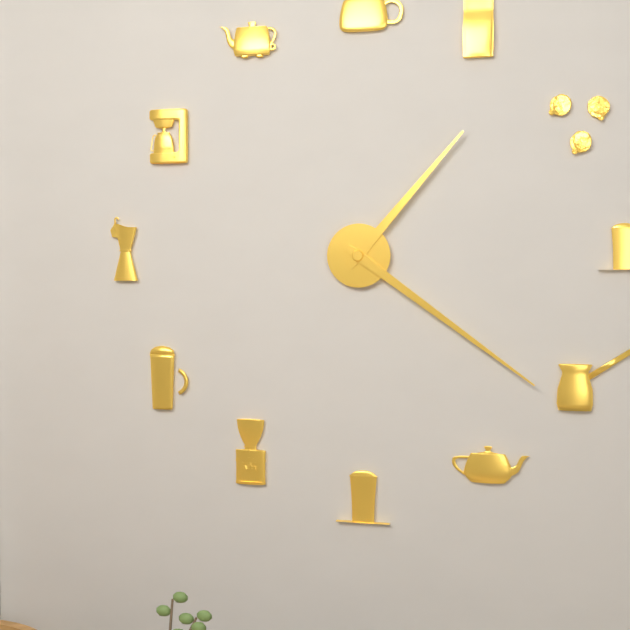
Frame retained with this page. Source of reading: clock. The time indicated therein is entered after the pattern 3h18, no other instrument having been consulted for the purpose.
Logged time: 1h21
